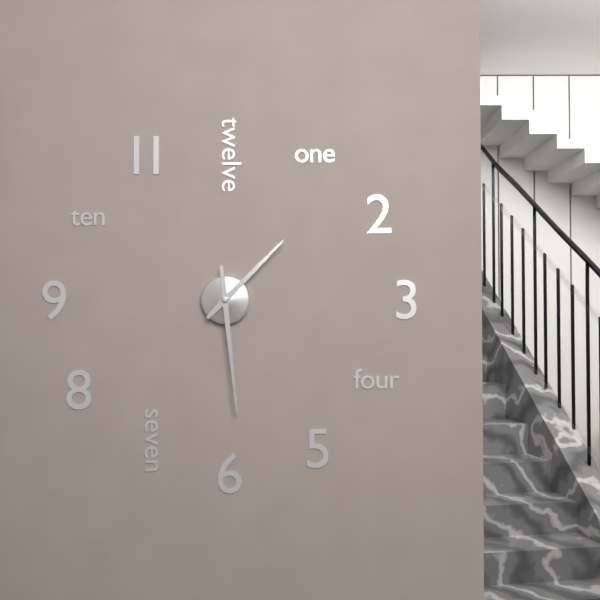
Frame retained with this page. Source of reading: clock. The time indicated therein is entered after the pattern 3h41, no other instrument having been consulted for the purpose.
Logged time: 1h29
